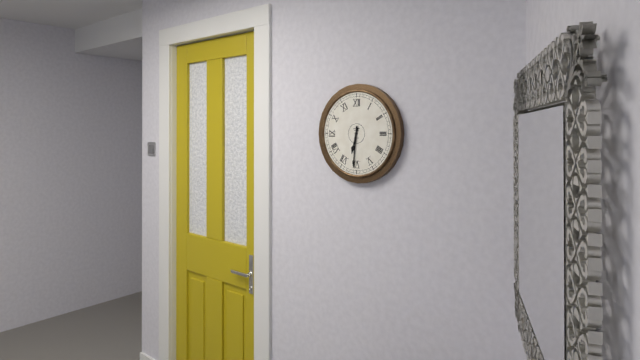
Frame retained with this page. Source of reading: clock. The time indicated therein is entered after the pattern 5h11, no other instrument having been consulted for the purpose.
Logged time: 6h31
